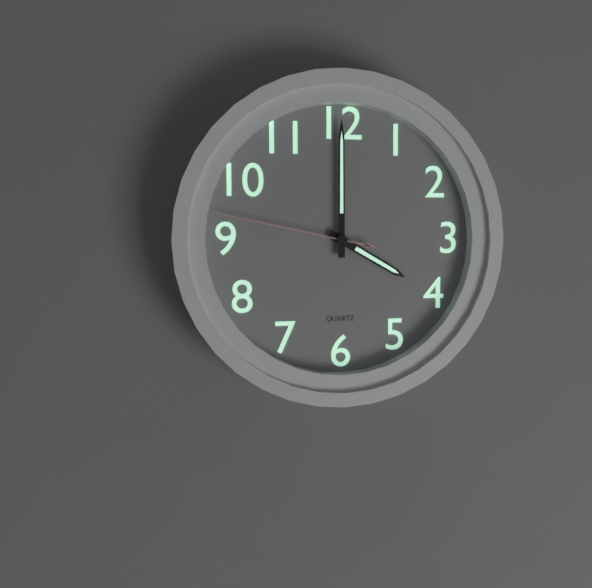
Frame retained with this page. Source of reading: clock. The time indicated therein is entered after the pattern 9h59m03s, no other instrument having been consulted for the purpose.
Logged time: 4h00m47s
